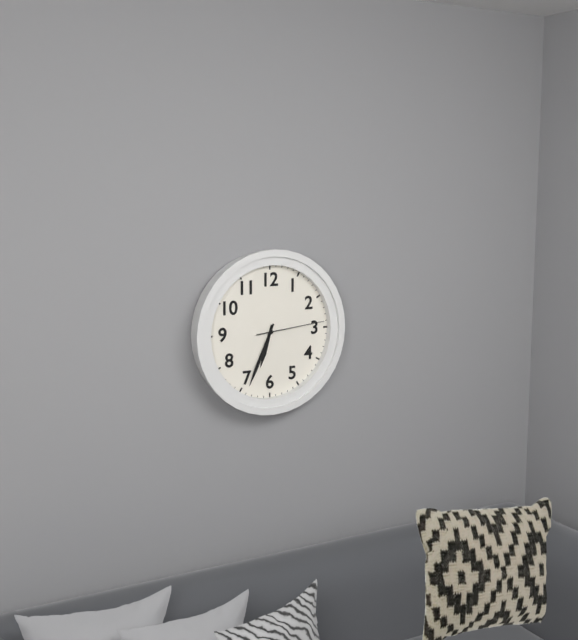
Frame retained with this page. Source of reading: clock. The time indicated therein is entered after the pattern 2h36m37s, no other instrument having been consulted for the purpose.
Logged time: 6h34m14s
